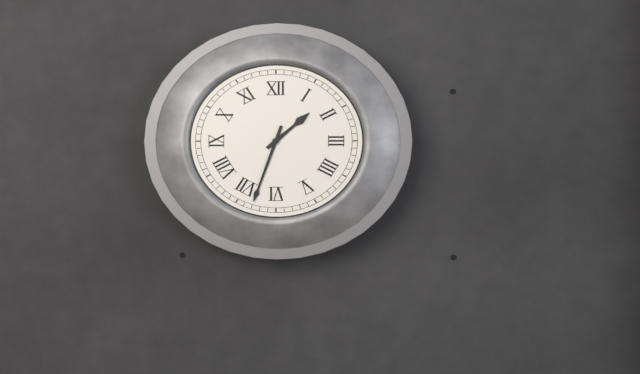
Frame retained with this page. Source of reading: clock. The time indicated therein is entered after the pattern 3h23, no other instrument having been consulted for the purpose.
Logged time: 1h33
